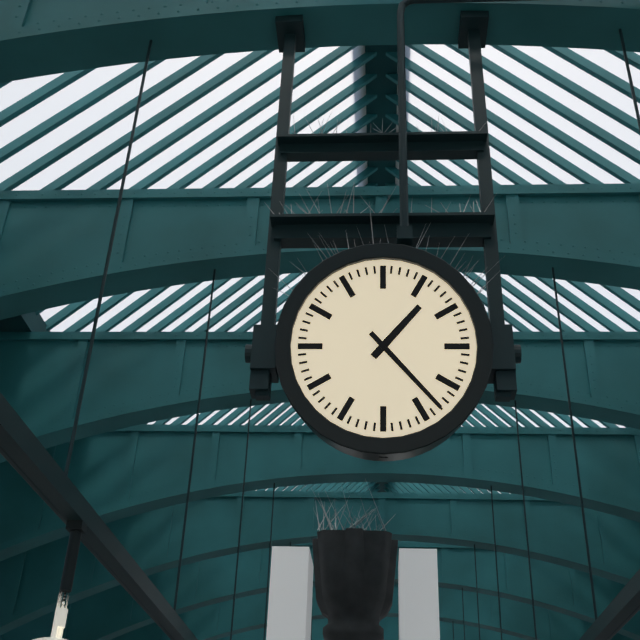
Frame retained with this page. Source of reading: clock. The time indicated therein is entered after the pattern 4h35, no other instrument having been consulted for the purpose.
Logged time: 1h23
